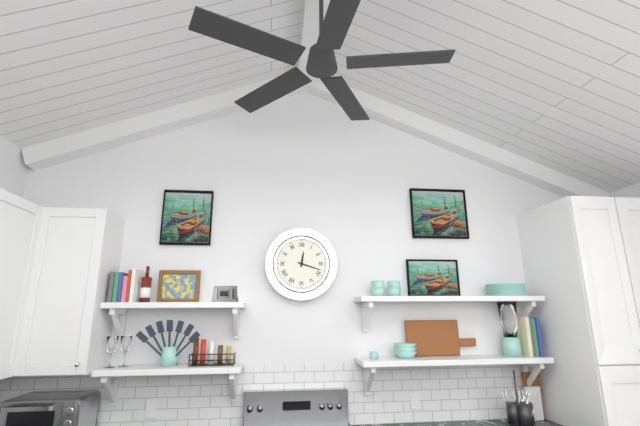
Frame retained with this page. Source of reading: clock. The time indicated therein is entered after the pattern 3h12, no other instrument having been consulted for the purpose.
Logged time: 12h18
